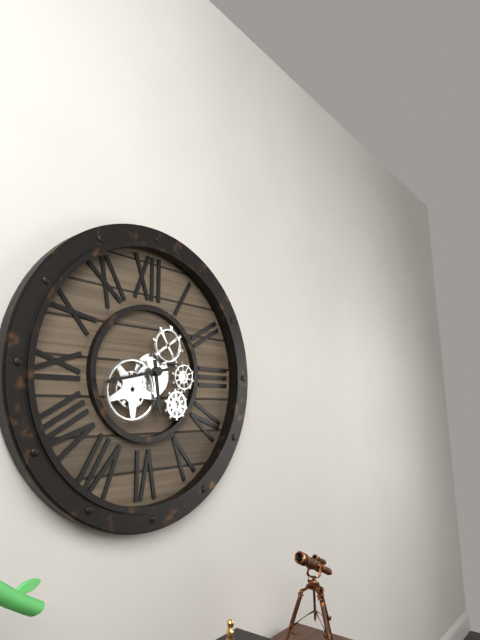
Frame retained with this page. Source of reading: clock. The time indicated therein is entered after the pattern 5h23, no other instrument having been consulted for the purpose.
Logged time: 5h43
